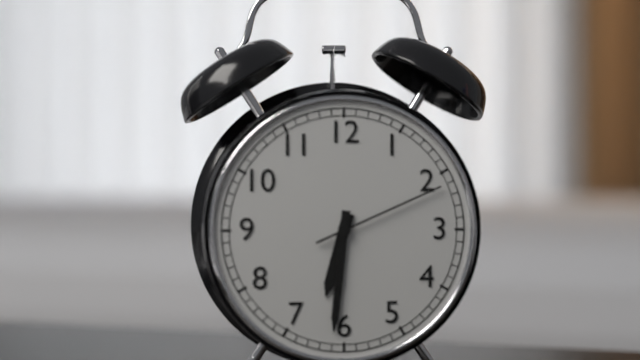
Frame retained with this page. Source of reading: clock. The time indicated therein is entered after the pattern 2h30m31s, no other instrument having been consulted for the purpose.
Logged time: 6h31m11s
